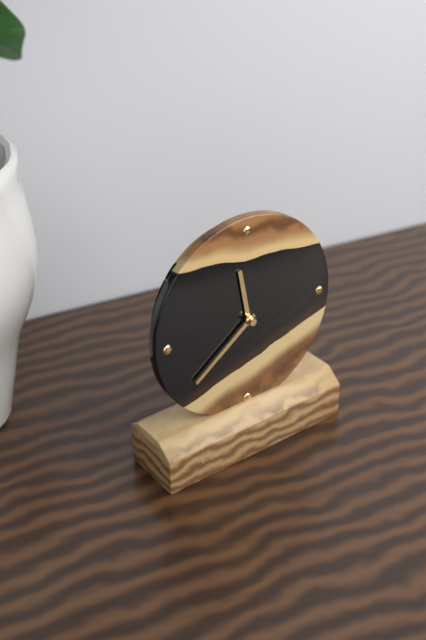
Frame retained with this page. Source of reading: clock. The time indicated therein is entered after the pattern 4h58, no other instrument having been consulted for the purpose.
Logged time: 11h39
